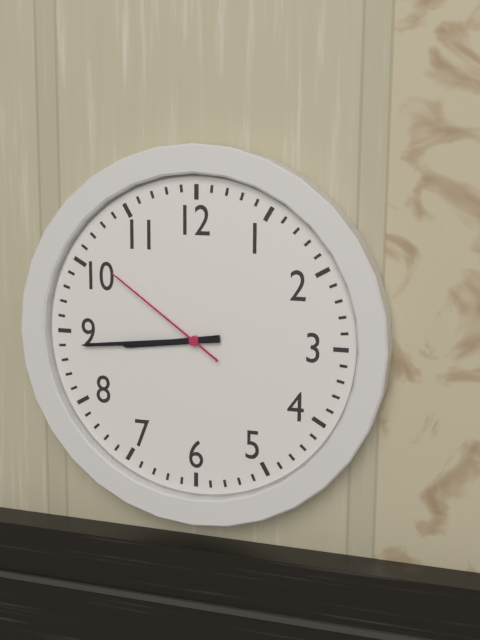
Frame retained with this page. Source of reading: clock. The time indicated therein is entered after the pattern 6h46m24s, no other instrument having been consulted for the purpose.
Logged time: 8h44m51s
